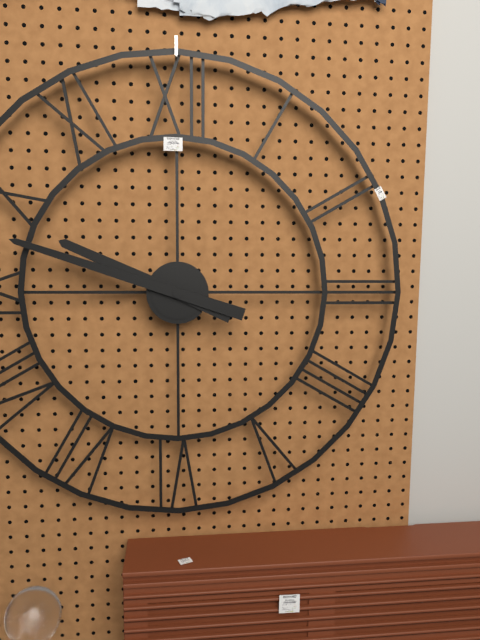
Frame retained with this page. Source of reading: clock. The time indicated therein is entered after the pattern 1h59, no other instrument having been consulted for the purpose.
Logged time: 9h48
